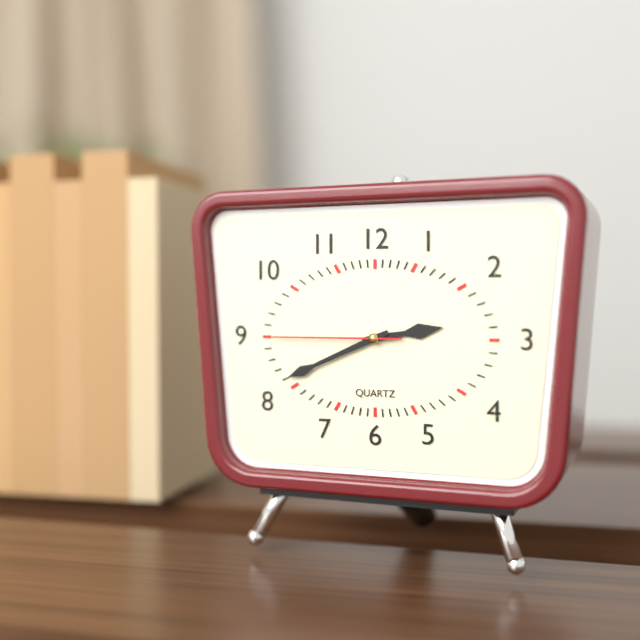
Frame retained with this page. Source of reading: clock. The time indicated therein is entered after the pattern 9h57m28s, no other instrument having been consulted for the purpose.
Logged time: 2h41m45s
